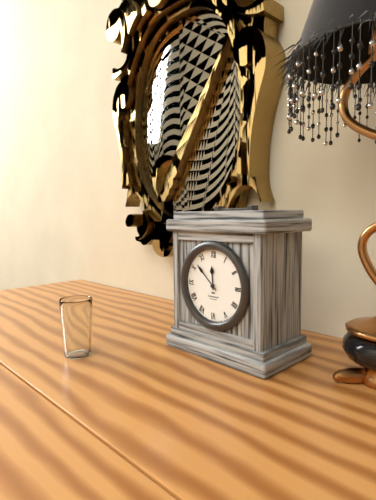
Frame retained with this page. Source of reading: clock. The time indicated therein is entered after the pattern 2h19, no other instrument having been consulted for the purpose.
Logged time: 11h52
